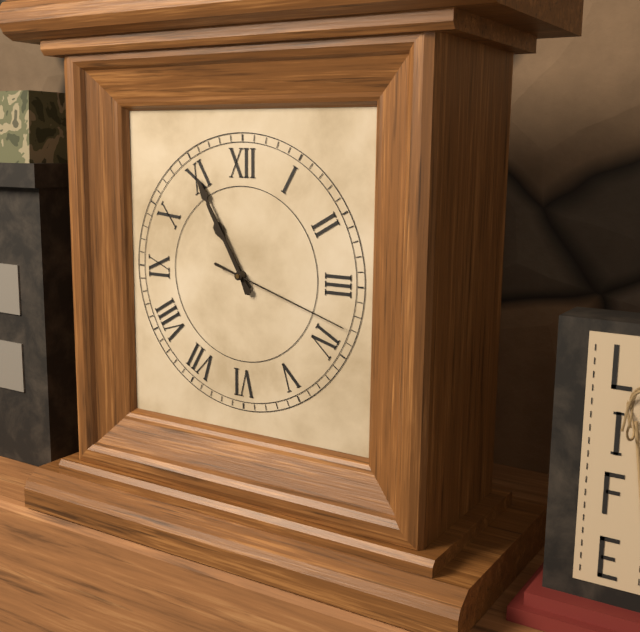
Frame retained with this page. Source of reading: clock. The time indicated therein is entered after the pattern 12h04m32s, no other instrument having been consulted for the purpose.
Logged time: 10h55m18s
